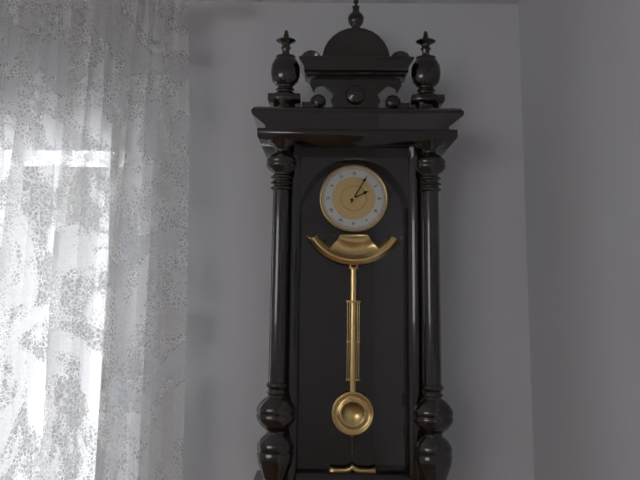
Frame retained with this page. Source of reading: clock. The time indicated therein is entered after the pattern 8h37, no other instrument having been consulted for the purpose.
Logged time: 2h05
